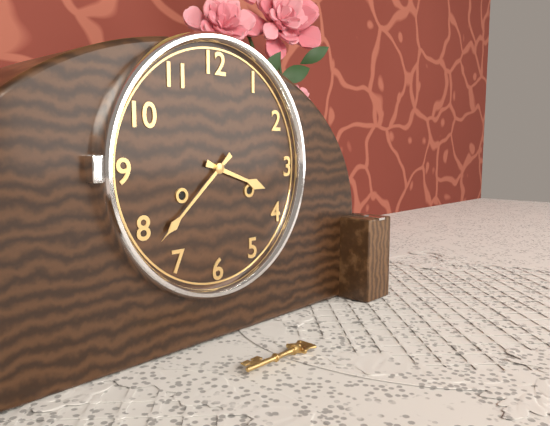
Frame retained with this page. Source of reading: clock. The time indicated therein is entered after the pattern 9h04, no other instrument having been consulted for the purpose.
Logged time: 3h38
